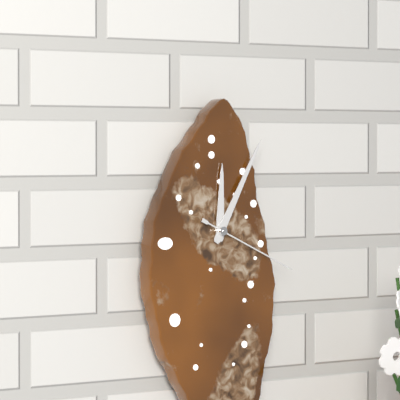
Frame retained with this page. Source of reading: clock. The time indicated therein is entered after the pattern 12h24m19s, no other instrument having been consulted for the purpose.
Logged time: 12h05m19s
